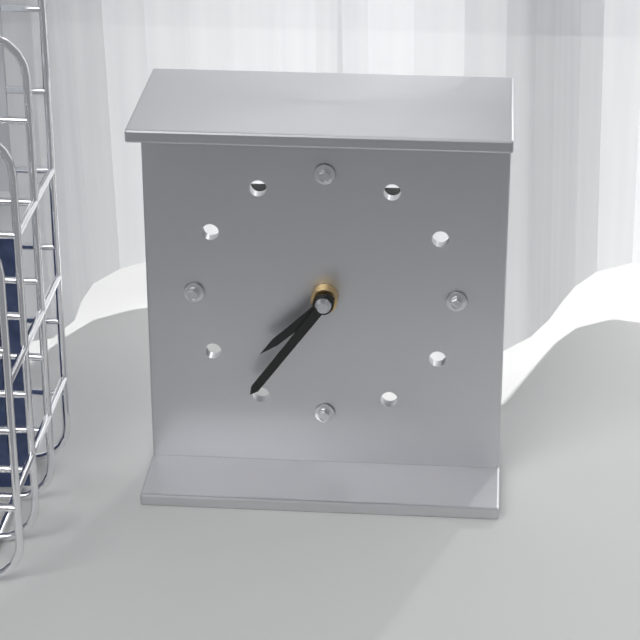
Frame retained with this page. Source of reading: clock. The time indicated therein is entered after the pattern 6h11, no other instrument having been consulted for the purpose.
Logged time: 7h36
